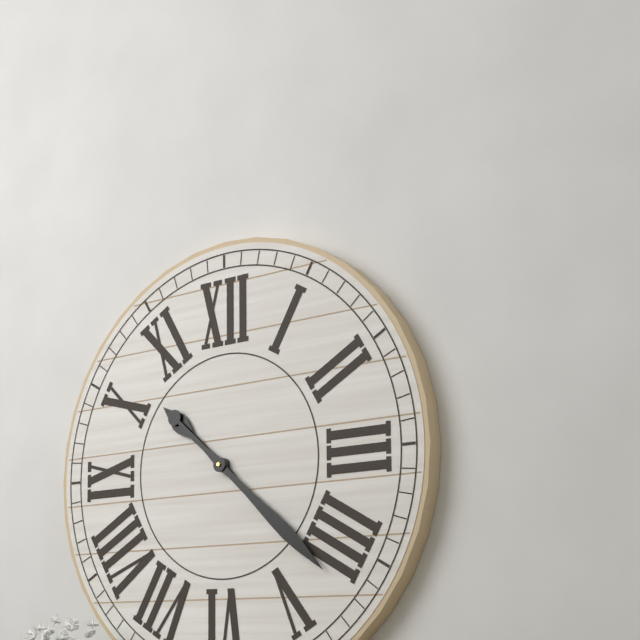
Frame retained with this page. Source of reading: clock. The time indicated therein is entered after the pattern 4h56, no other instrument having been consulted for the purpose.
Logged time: 10h22
